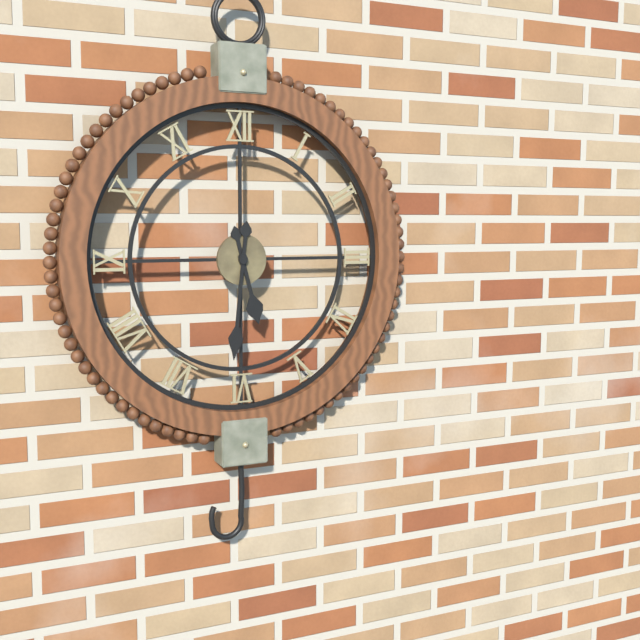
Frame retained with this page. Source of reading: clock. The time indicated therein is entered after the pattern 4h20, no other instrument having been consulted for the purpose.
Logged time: 5h31
